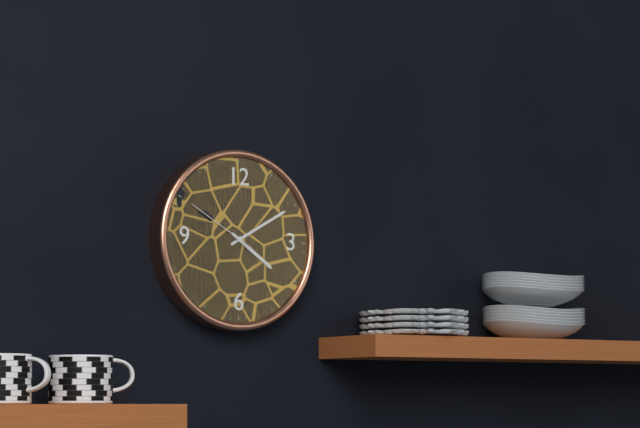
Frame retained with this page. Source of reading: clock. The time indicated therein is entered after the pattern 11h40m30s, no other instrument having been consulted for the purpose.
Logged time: 4h10m50s
